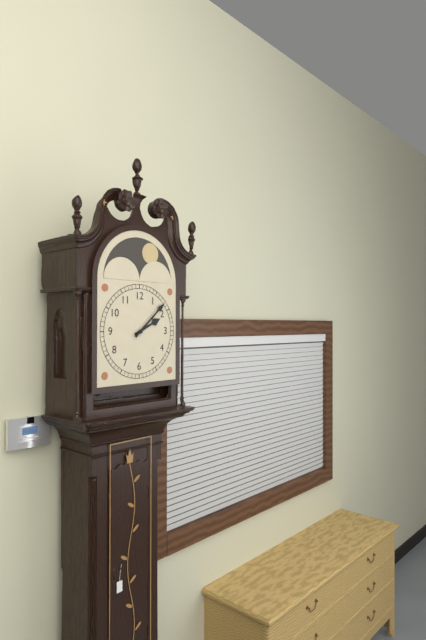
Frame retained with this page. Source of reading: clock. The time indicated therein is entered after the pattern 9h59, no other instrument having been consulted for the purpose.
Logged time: 2h08
